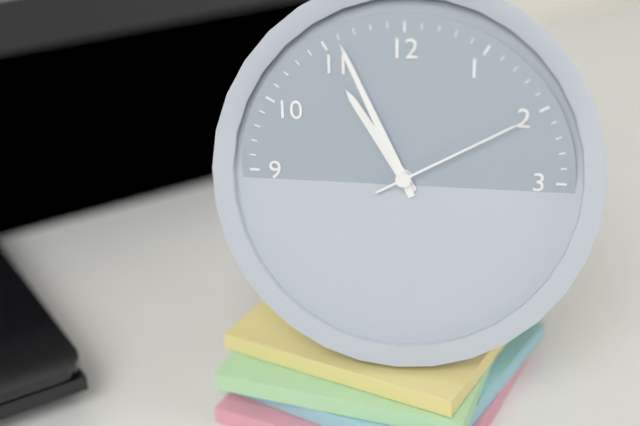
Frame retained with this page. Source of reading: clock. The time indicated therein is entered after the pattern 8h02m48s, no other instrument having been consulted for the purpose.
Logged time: 10h56m10s
